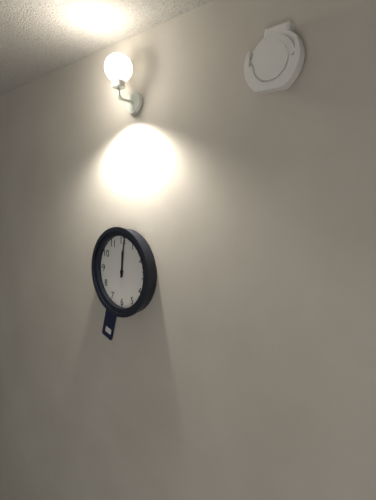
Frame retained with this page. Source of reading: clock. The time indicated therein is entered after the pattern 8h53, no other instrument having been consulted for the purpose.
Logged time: 12h01
